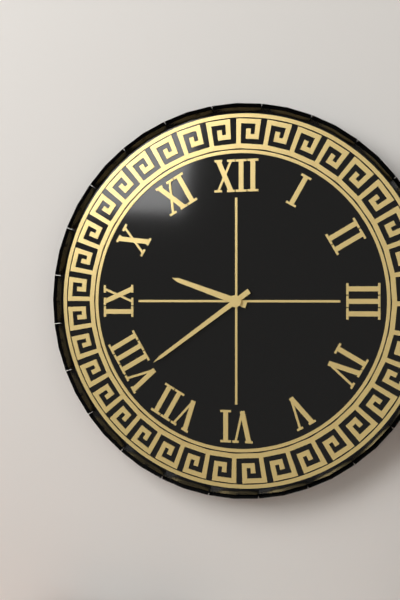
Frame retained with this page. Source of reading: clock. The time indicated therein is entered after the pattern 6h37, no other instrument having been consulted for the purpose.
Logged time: 9h39
